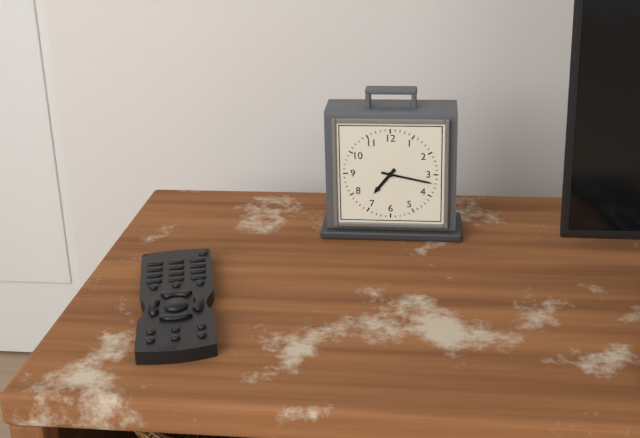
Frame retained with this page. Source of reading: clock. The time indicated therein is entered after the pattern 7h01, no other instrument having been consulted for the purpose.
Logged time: 7h17
